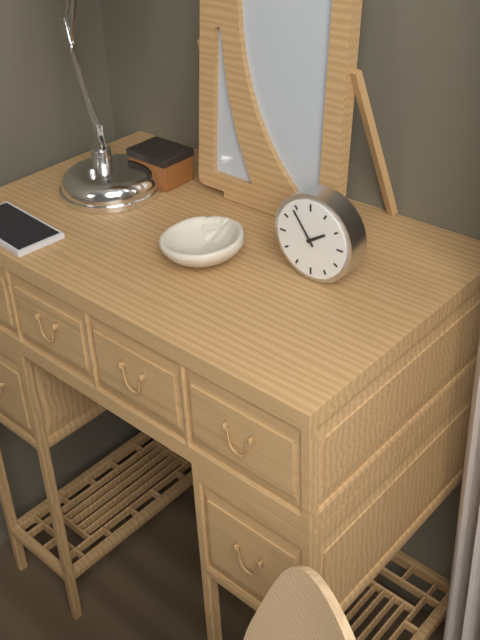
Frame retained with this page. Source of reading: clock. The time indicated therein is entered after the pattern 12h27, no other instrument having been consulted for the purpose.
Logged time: 1h54
